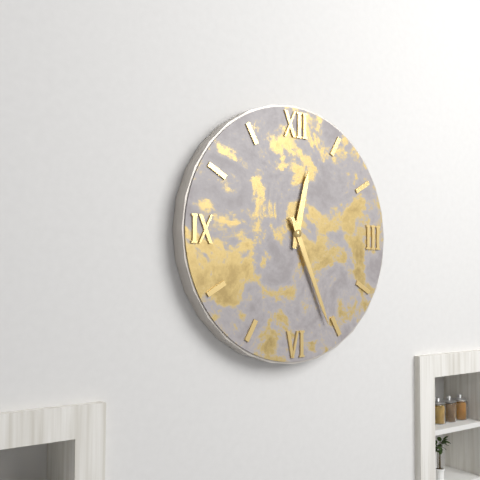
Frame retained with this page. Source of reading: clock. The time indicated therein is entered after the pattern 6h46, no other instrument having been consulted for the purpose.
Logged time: 12h26
